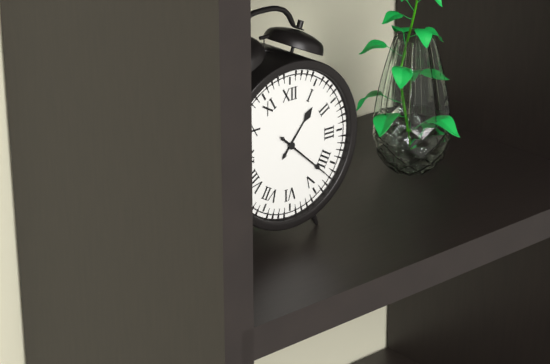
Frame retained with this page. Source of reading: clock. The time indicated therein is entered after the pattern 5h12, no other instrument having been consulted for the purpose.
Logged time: 1h22
